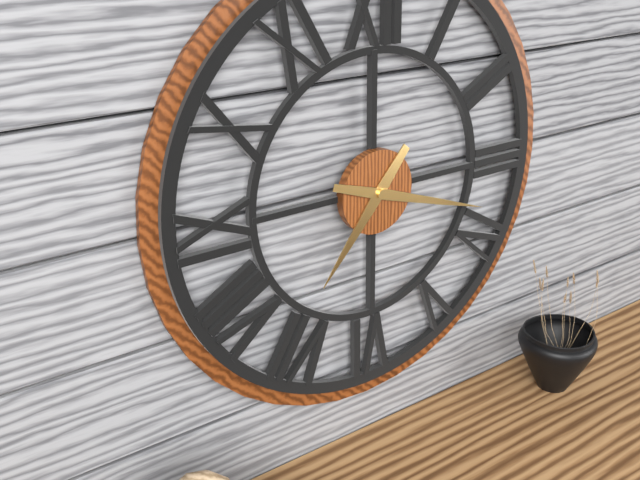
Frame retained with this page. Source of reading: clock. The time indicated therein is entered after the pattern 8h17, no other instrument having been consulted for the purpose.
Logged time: 7h18
